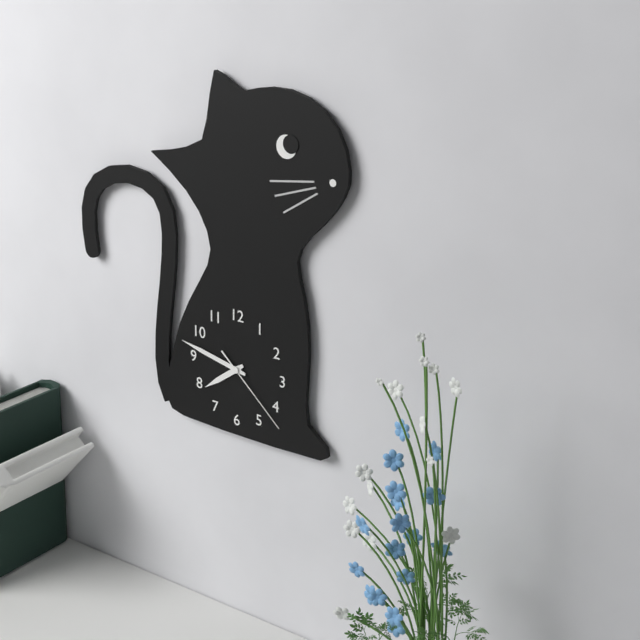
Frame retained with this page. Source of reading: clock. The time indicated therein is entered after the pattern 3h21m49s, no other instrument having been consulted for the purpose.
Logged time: 7h47m22s
